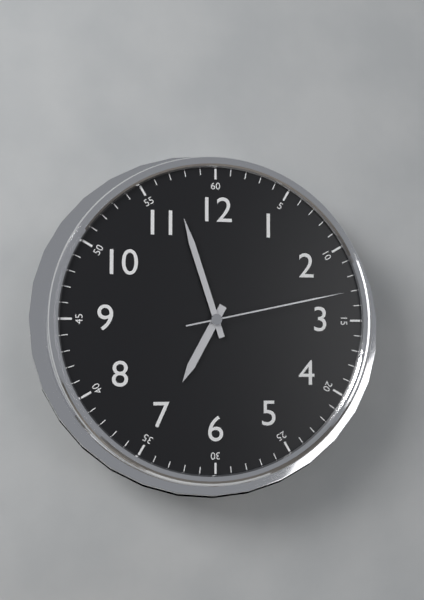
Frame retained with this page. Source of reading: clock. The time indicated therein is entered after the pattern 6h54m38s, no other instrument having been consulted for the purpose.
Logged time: 6h57m13s
